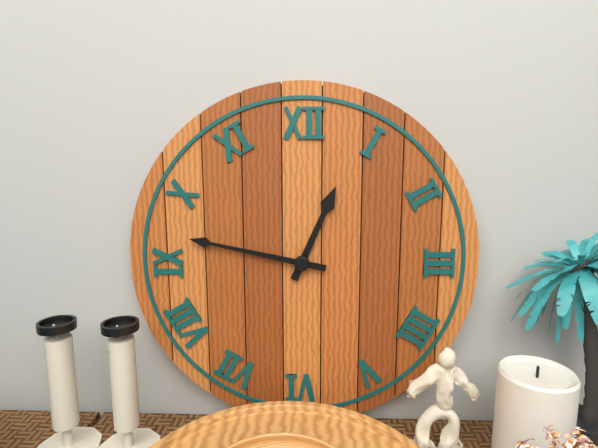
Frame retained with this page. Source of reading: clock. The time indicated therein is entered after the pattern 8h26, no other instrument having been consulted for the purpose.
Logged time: 12h47
